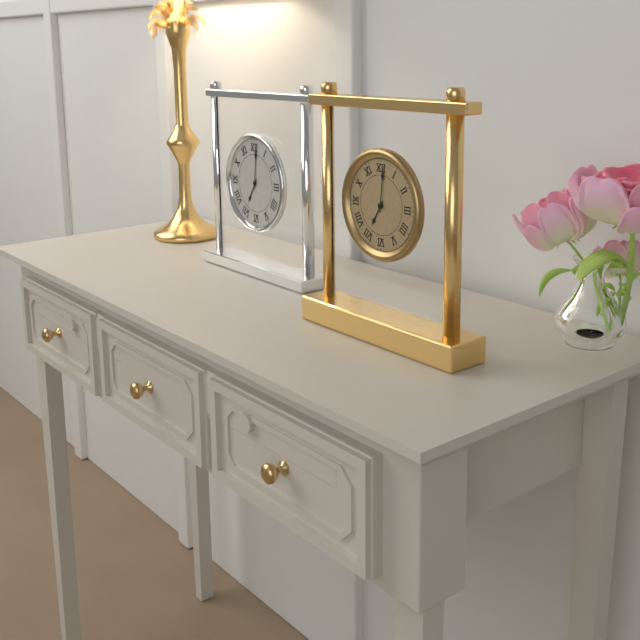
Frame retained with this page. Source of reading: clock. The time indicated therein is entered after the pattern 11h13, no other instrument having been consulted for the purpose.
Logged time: 7h01
